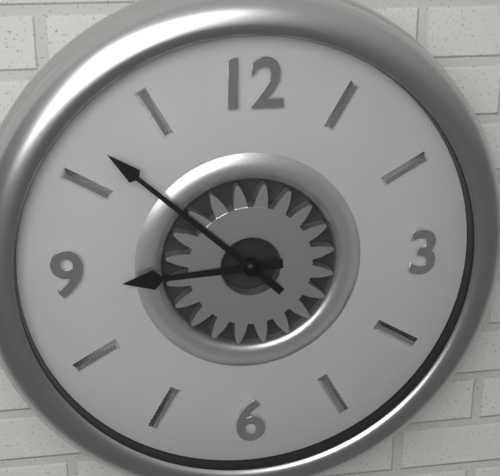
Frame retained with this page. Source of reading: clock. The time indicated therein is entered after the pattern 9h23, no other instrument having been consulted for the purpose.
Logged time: 8h52
